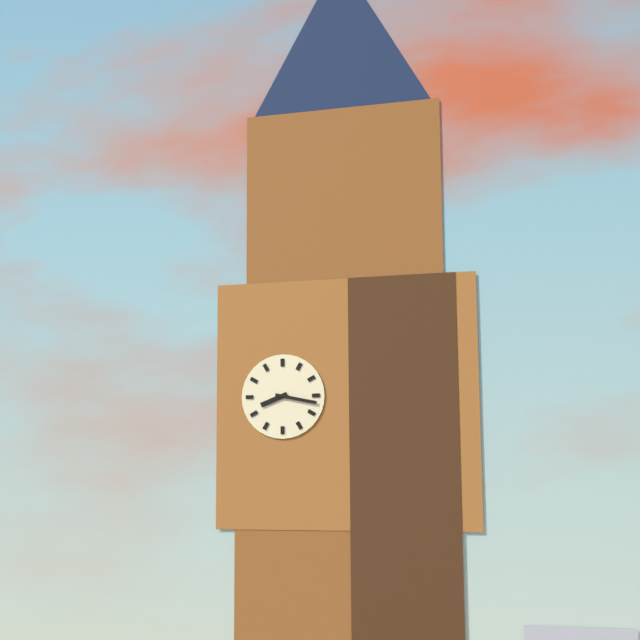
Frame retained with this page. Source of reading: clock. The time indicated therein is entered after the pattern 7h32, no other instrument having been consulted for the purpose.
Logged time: 8h17
